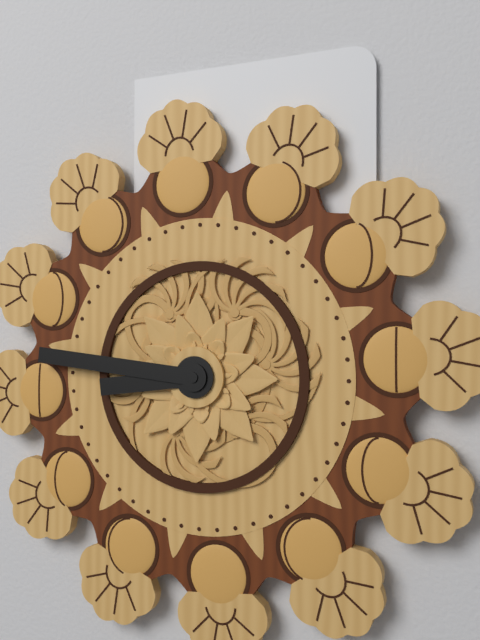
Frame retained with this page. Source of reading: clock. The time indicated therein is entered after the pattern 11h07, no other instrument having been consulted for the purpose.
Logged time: 8h46
